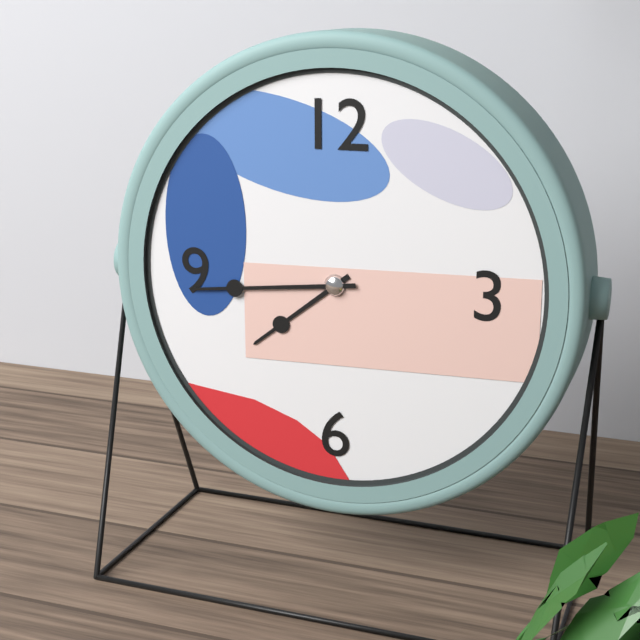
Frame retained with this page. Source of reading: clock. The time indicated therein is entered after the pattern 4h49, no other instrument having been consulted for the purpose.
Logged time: 7h44
